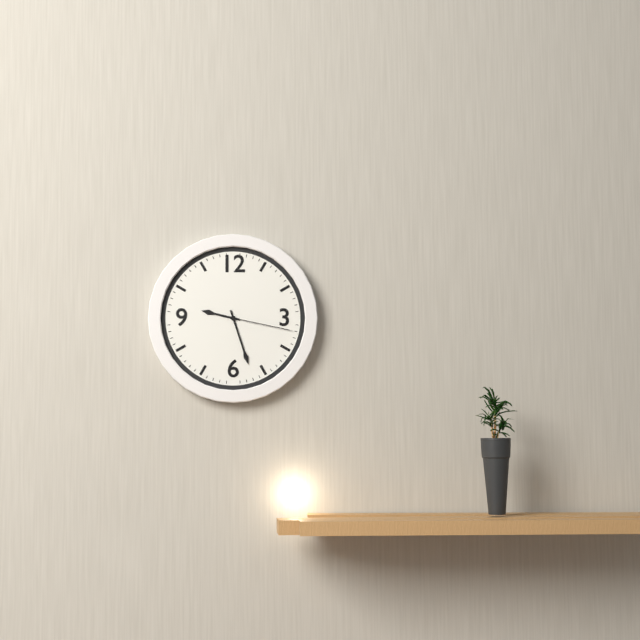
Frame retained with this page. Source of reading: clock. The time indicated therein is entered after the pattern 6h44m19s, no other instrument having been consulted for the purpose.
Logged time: 9h27m17s
